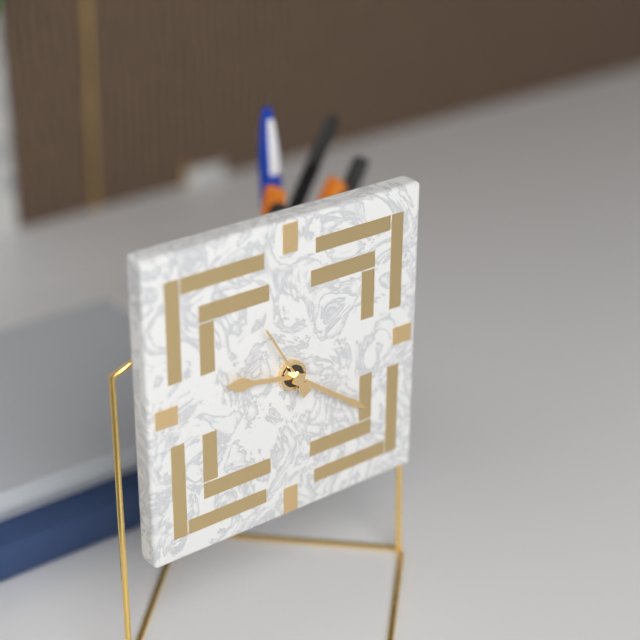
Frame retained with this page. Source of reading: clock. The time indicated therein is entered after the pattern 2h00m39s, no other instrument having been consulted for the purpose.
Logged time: 9h21m55s
